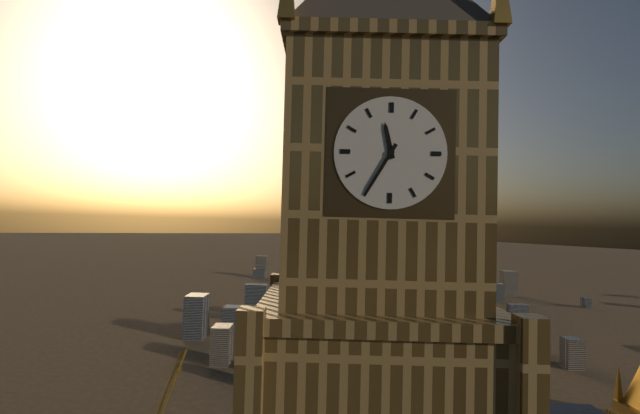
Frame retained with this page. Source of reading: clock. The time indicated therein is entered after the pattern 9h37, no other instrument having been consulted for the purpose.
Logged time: 11h35
